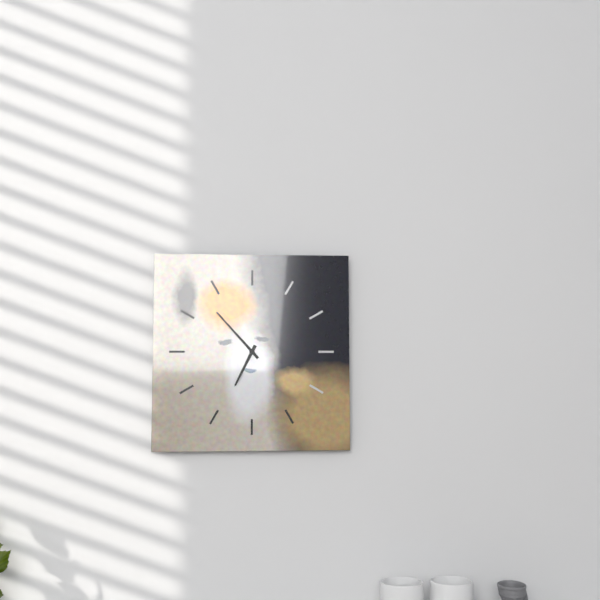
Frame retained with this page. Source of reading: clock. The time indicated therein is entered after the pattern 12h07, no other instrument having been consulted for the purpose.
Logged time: 6h53
